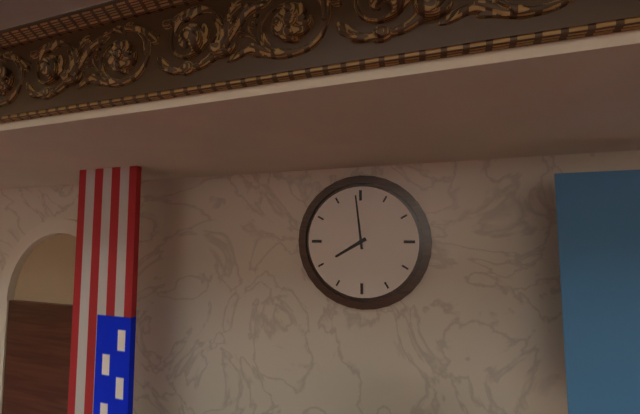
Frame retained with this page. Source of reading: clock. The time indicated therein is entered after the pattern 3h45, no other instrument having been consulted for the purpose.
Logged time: 7h59
